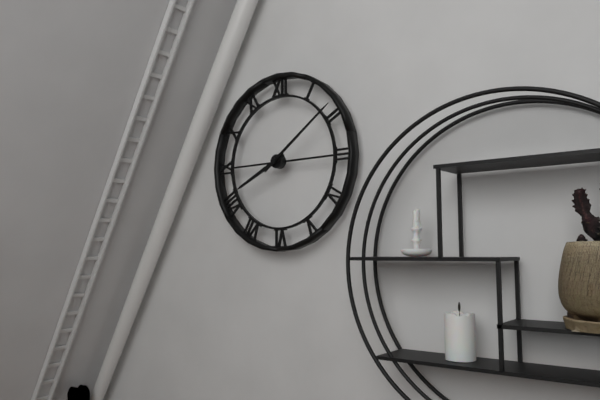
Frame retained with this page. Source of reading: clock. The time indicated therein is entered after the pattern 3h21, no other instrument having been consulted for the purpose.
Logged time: 8h09
